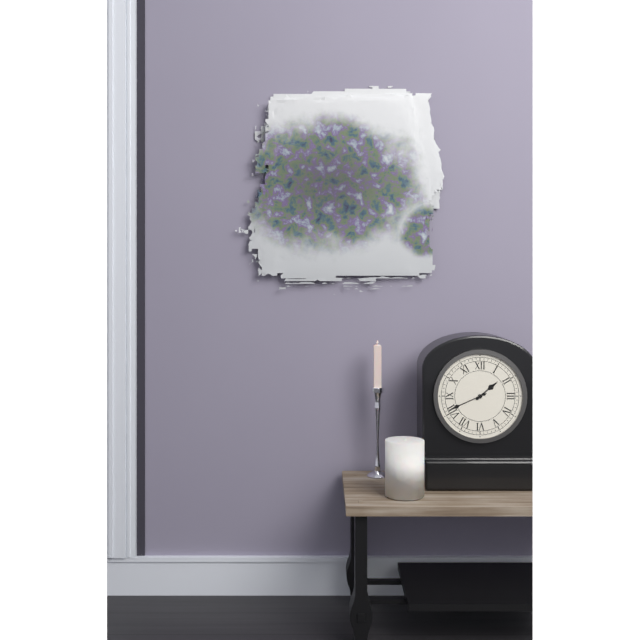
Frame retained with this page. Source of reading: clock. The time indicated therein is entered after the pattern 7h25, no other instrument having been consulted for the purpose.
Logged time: 1h41
